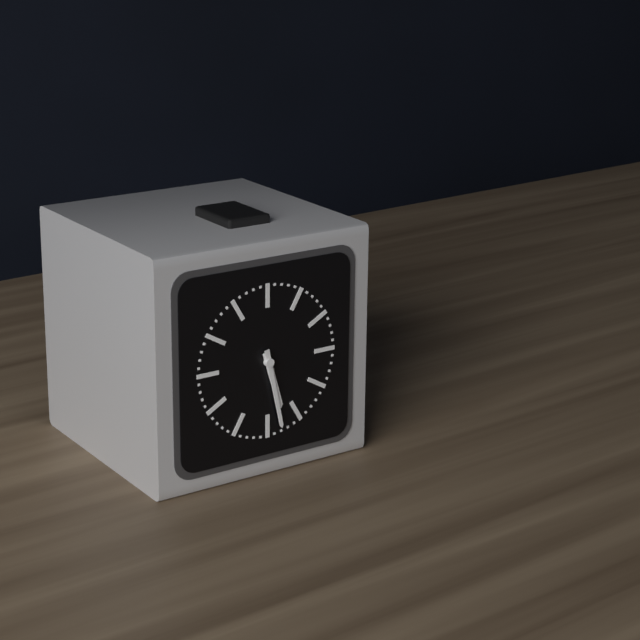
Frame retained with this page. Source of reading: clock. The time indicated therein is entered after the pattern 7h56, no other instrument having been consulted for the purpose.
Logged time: 5h28
